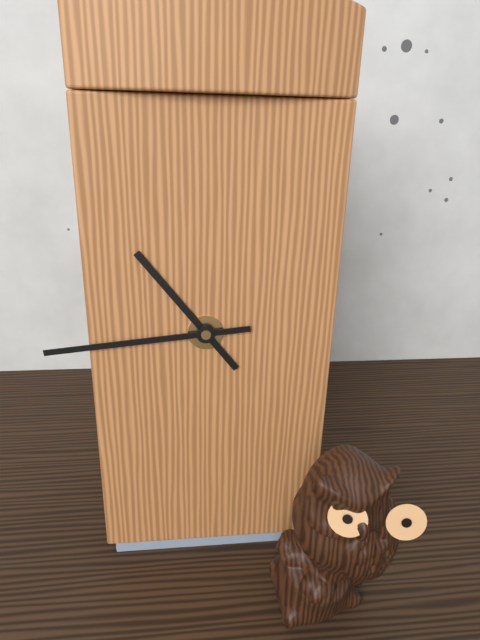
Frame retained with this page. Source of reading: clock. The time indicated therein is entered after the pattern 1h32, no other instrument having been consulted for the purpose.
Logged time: 10h44
